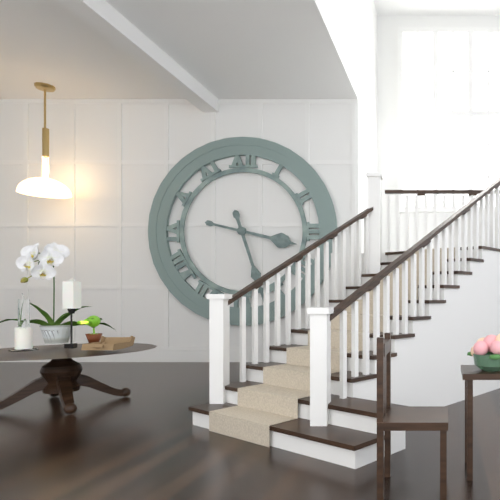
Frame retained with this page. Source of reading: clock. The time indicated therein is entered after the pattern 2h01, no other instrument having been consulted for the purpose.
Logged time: 3h27
